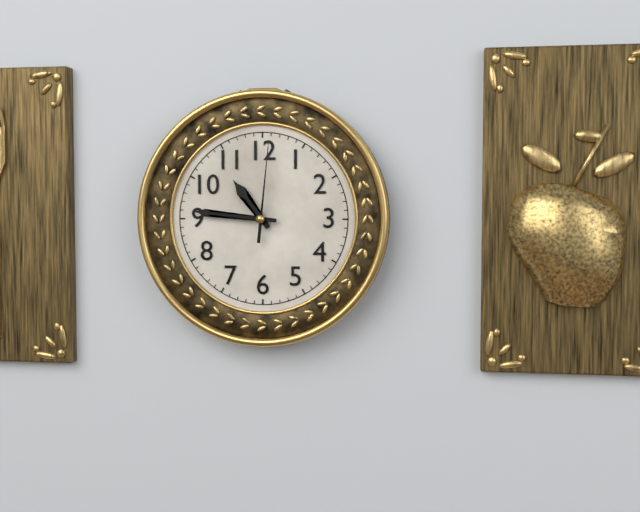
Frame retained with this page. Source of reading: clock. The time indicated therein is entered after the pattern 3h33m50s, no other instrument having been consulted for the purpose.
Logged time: 10h46m01s
